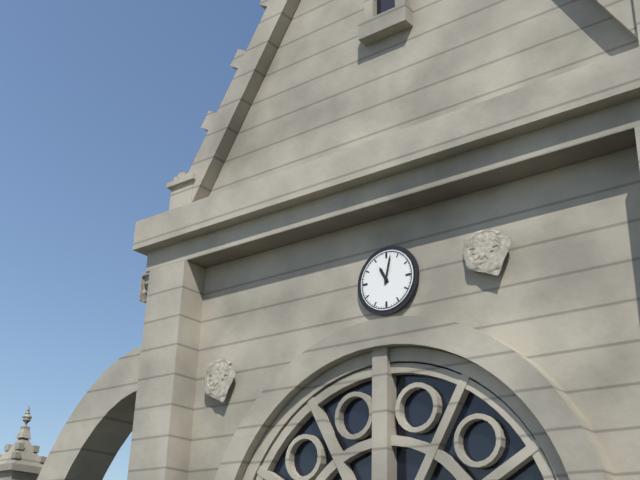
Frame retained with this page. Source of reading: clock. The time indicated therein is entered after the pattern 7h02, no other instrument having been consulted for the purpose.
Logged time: 11h02
